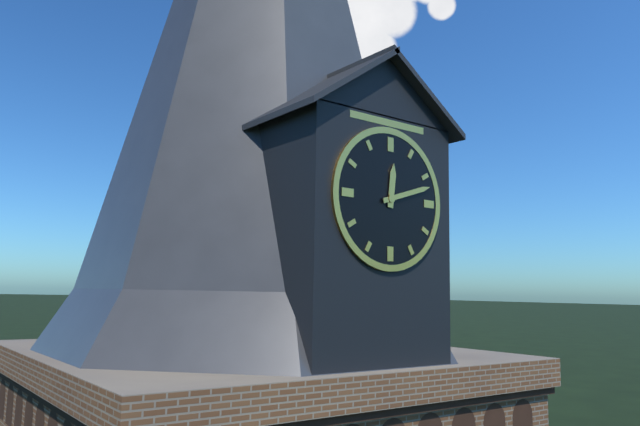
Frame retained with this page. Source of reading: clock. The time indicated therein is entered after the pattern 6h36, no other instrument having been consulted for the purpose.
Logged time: 12h12
